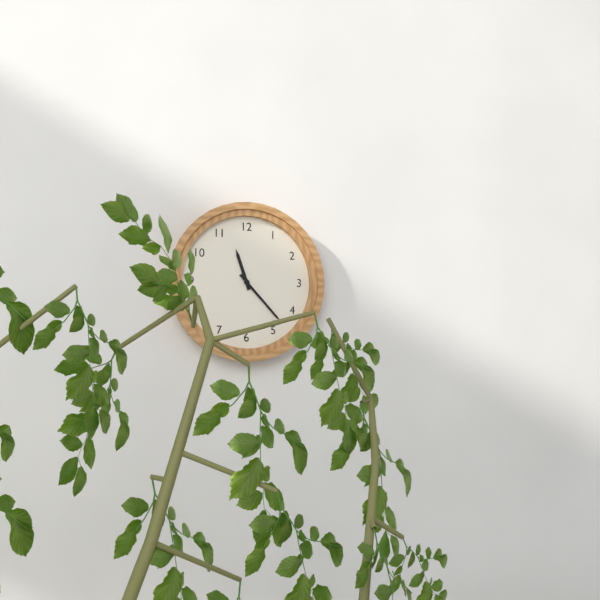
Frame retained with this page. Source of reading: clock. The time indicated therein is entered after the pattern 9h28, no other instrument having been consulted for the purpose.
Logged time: 11h23
